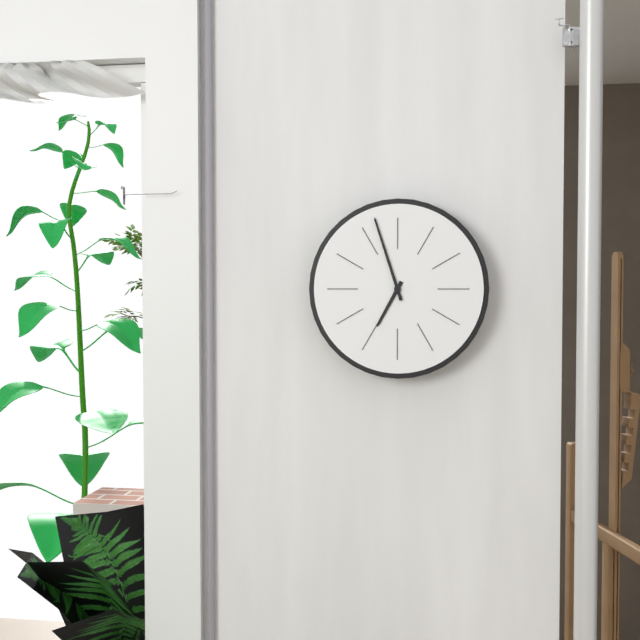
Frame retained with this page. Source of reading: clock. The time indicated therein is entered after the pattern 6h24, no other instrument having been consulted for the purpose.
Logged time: 6h57
